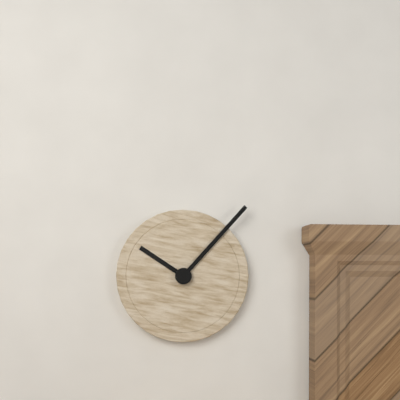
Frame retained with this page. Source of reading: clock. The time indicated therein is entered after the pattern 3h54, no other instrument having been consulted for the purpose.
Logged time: 10h07
